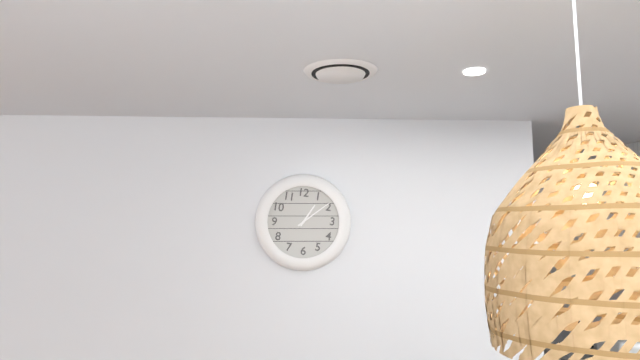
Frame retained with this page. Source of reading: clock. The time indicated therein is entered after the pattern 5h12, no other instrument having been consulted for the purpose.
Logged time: 1h09
